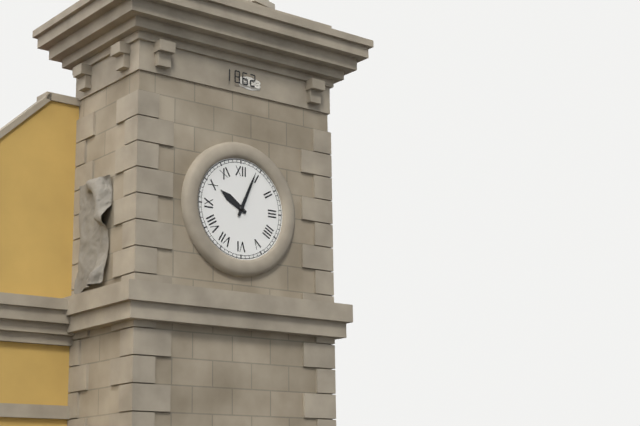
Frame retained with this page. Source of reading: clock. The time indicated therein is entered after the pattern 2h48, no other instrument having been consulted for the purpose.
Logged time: 10h04
